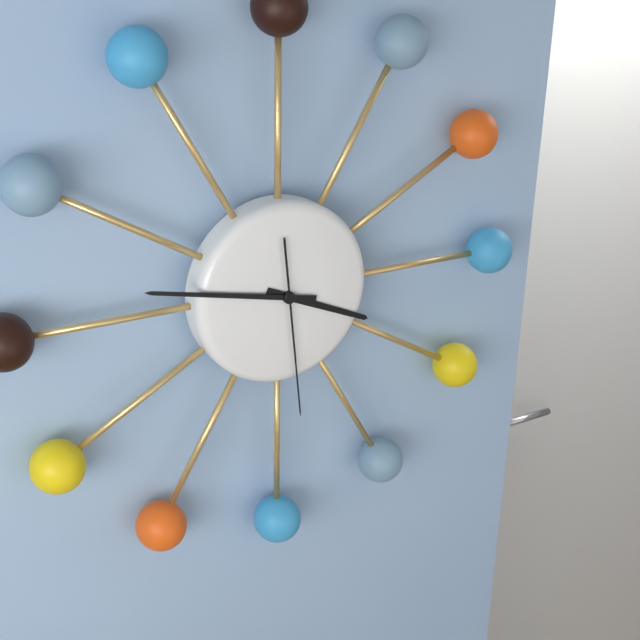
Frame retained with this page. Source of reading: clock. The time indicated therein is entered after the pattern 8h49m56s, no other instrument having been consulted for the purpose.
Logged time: 3h47m29s
